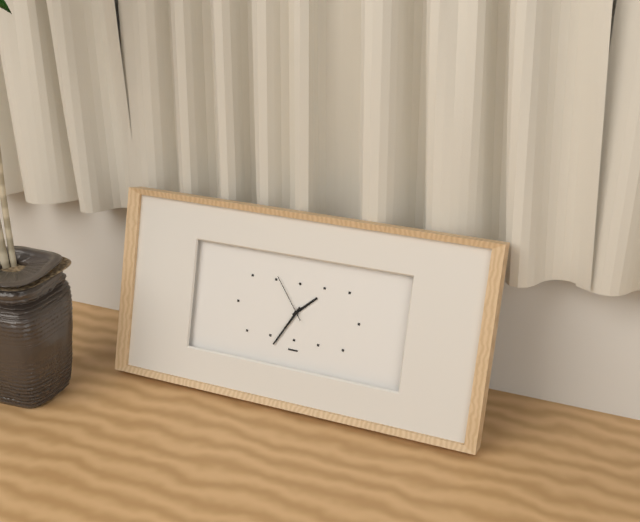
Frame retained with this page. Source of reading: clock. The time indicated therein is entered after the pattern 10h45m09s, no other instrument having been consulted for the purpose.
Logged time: 1h35m54s
